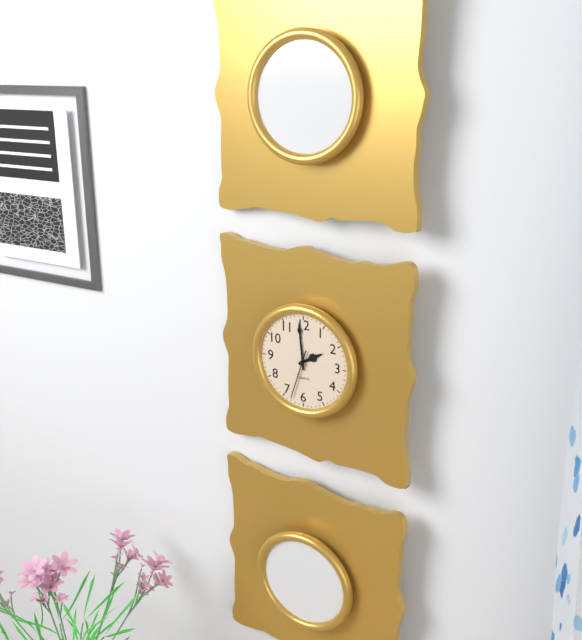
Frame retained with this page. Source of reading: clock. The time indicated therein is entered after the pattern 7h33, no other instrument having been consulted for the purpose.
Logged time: 1h59
